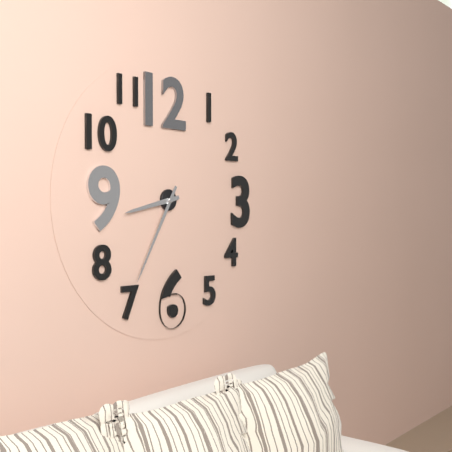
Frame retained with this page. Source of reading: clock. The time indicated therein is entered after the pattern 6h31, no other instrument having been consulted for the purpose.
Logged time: 8h35
